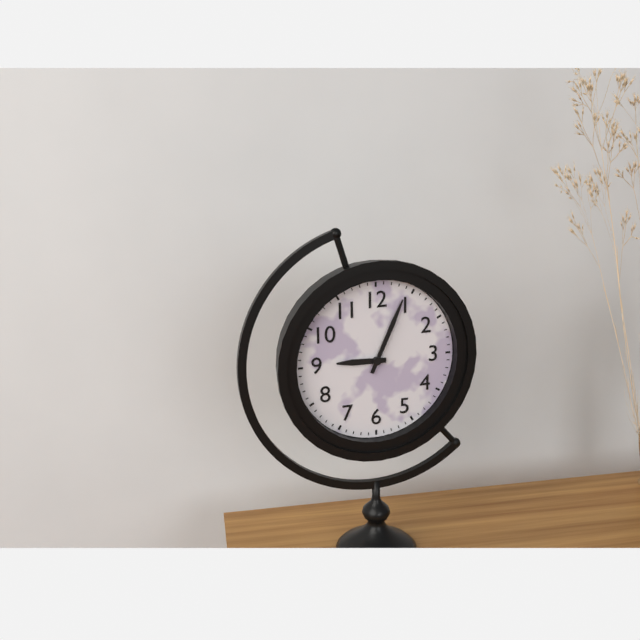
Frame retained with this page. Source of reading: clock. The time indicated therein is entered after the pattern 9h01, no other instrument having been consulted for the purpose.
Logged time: 9h04
